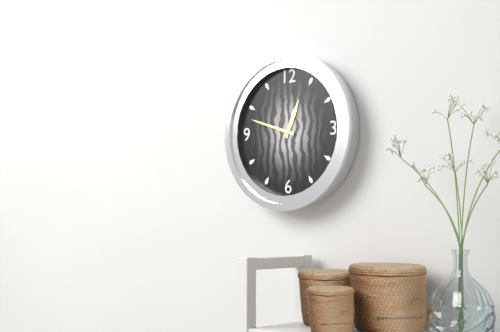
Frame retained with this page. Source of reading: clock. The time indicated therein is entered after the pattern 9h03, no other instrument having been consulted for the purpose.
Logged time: 12h48
